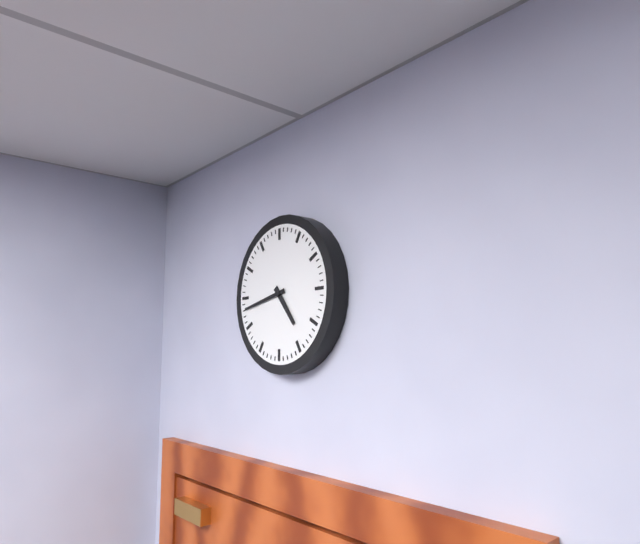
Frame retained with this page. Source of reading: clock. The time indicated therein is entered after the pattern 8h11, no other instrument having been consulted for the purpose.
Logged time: 4h43
